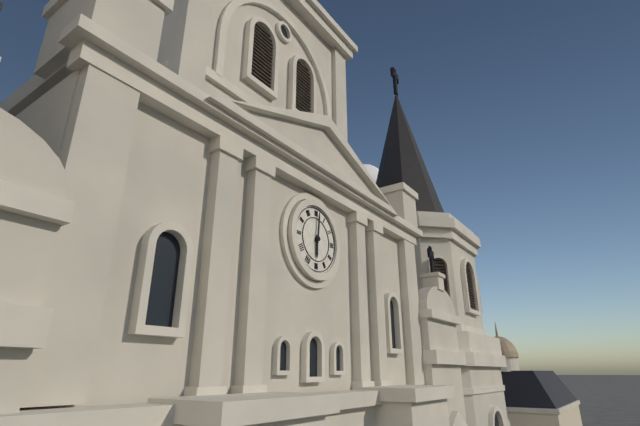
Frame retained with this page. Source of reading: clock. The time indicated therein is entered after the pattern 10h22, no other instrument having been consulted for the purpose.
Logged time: 6h01
